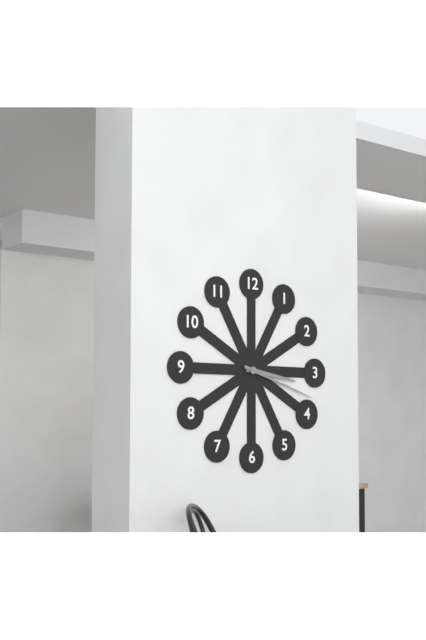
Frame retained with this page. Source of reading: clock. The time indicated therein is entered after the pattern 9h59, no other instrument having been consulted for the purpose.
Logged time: 3h18
